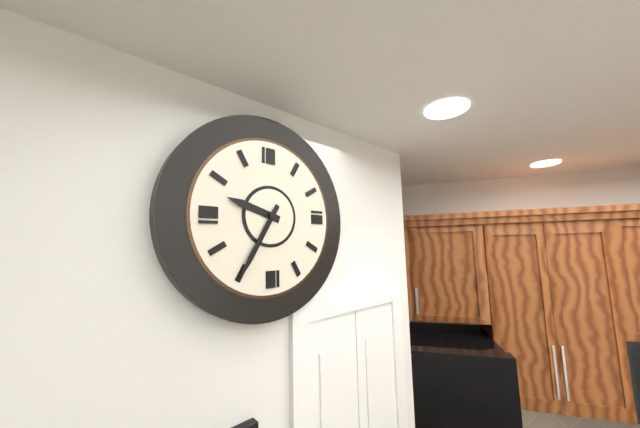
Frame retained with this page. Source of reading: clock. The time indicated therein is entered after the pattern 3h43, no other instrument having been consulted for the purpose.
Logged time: 9h35
